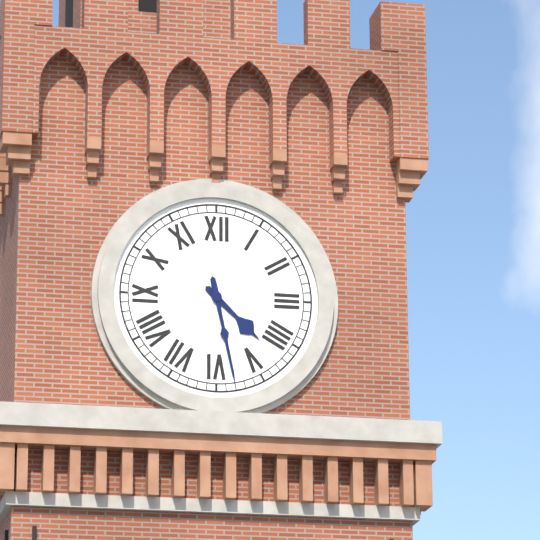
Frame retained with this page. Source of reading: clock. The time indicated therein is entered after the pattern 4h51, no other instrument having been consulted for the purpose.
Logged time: 4h28
